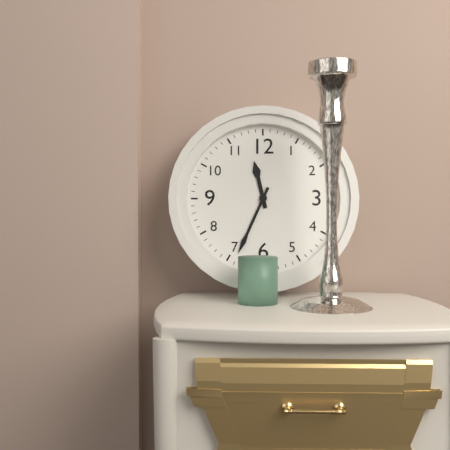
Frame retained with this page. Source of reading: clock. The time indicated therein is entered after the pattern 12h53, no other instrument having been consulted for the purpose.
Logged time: 11h34
